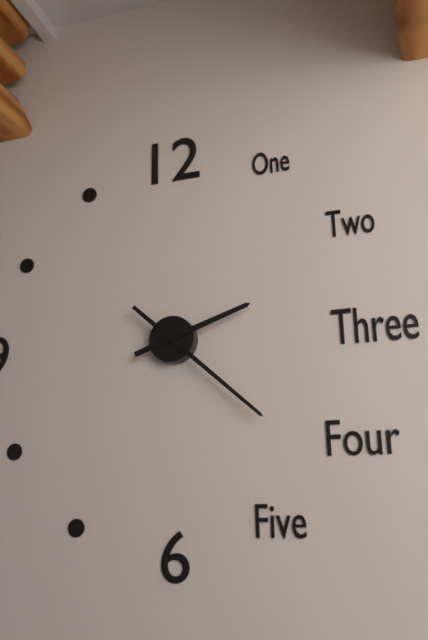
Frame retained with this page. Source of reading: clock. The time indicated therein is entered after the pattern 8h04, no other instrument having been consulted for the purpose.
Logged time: 2h22
